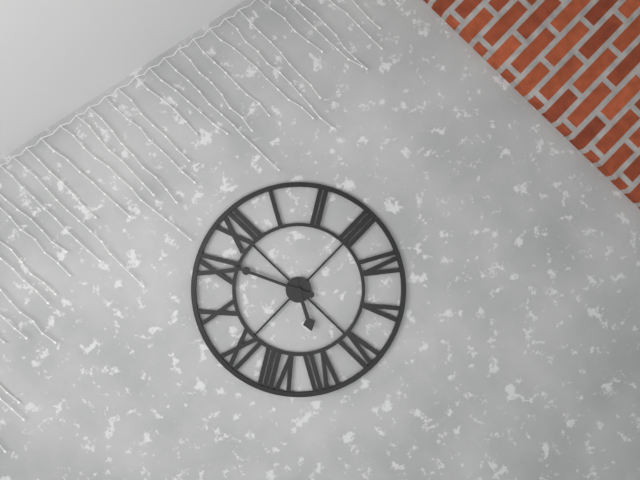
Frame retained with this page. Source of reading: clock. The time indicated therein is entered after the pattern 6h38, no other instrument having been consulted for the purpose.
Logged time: 6h56
